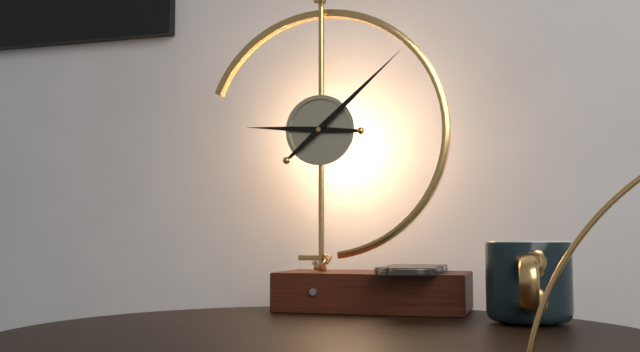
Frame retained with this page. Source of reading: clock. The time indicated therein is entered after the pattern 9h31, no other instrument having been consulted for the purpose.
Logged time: 9h08
